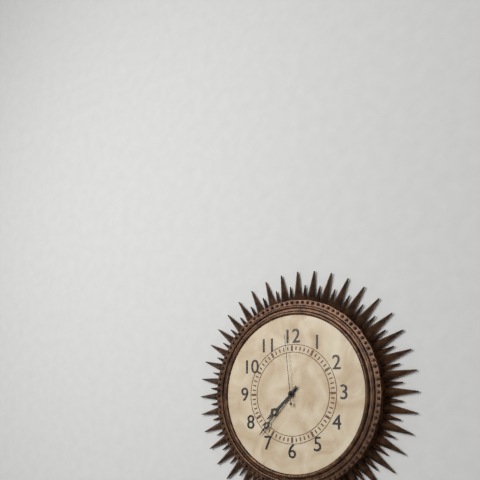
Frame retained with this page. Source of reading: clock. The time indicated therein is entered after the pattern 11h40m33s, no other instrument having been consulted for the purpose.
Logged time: 7h37m59s
